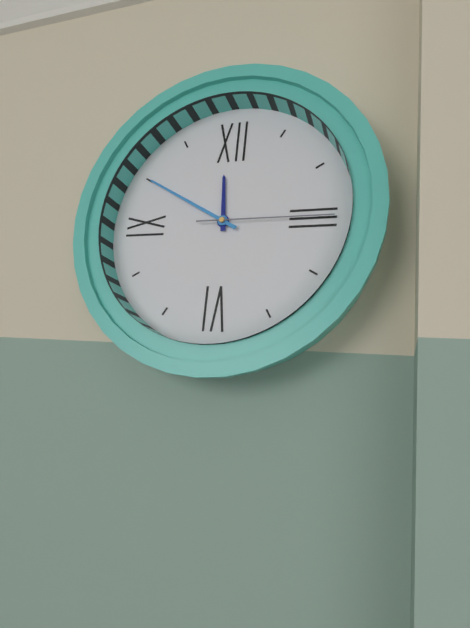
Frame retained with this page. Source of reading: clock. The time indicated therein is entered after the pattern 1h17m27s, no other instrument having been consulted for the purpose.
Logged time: 11h50m15s
